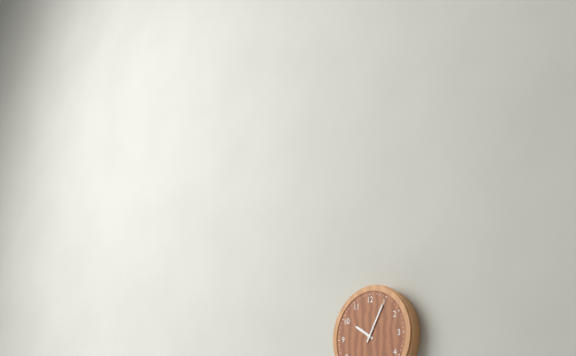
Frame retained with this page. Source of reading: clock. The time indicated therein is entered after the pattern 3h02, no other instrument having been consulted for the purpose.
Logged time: 10h05
